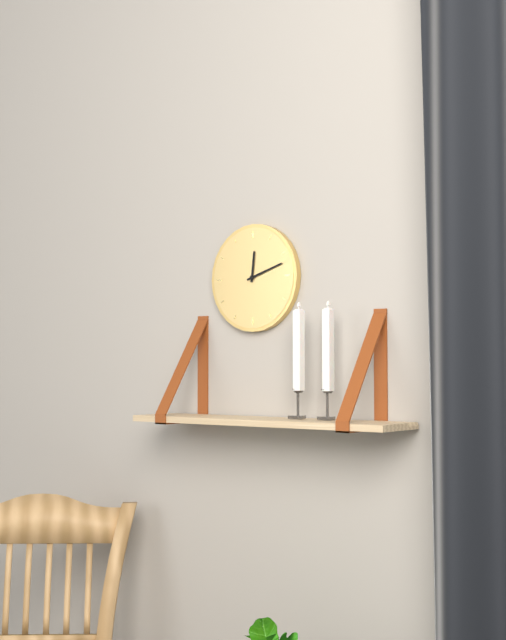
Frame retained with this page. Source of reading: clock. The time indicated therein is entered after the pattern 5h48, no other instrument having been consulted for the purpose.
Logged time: 12h12
